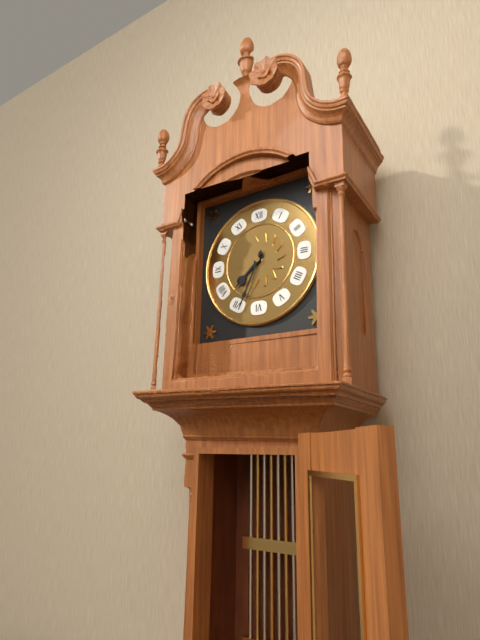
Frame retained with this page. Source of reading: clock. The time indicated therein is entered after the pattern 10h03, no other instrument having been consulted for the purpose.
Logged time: 7h34
